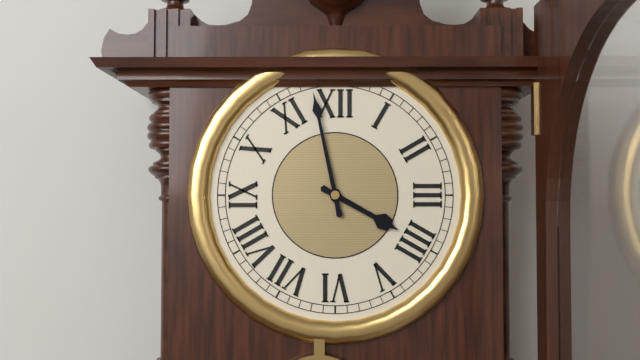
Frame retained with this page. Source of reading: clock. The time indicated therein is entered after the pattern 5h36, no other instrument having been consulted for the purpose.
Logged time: 3h58
